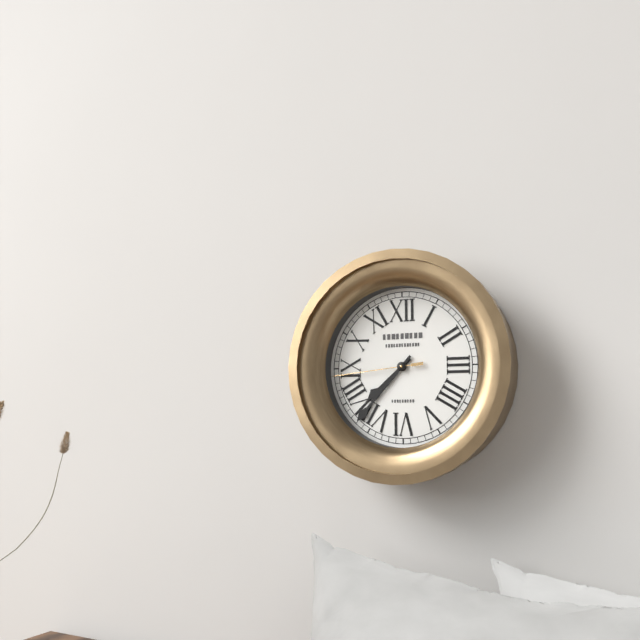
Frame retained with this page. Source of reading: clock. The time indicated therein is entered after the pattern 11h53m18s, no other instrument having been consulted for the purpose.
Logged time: 7h37m44s
